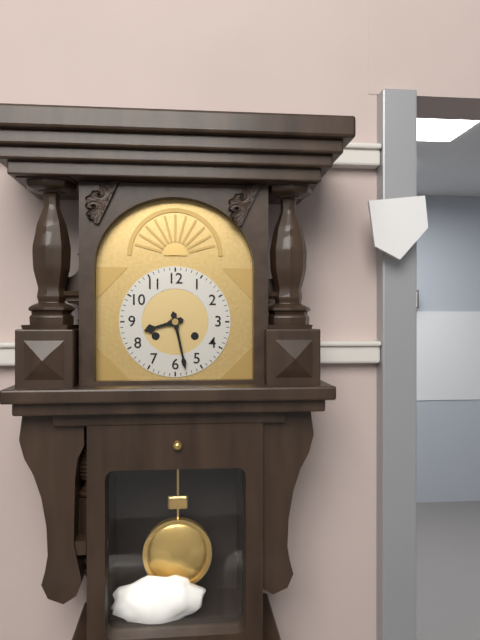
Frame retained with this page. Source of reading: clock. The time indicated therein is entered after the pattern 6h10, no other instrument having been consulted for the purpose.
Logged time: 8h28
